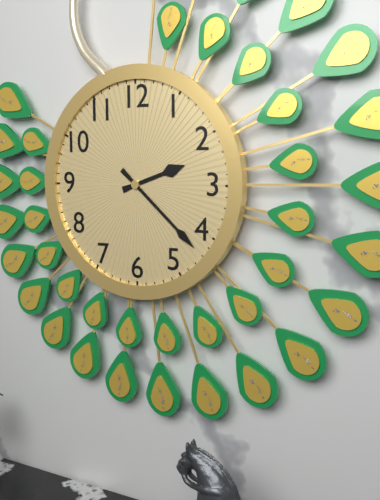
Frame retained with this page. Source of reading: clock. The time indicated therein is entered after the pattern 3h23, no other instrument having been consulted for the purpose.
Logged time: 2h22
